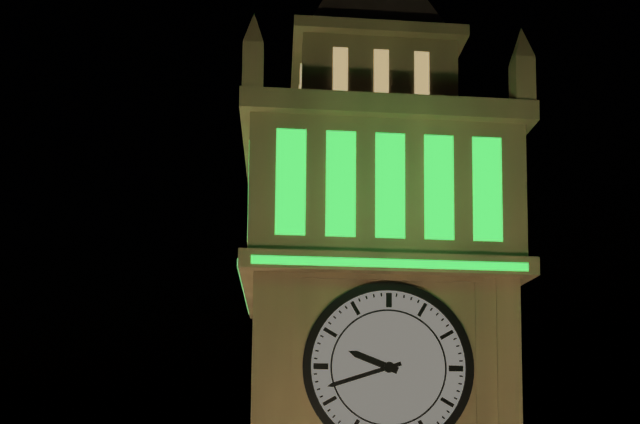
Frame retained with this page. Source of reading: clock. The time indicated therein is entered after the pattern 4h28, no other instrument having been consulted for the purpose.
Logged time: 9h42
